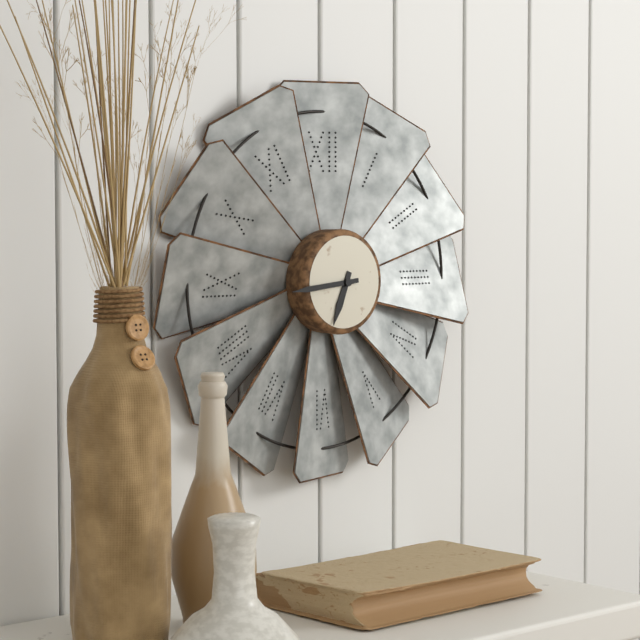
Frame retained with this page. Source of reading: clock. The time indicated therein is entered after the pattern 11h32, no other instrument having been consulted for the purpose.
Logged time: 6h44
